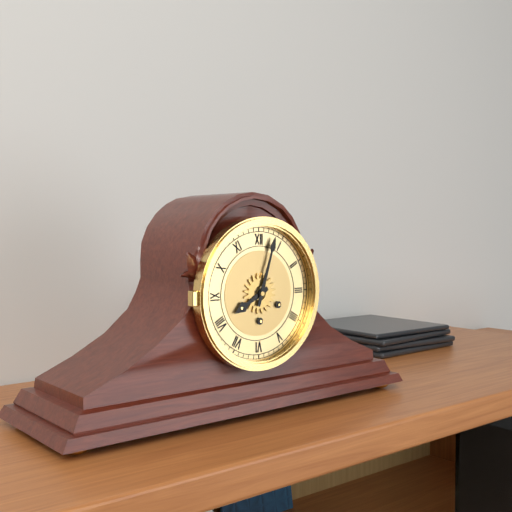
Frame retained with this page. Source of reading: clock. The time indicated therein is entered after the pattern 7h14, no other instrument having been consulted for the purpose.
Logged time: 8h03
